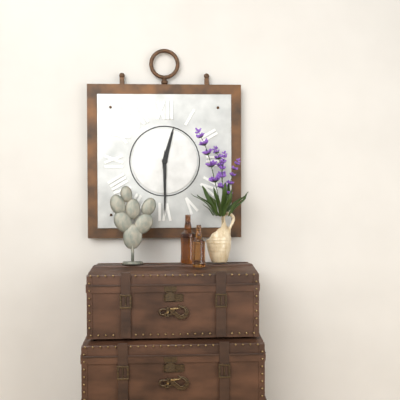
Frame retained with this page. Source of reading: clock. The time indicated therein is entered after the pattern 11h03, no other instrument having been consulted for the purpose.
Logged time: 12h30
